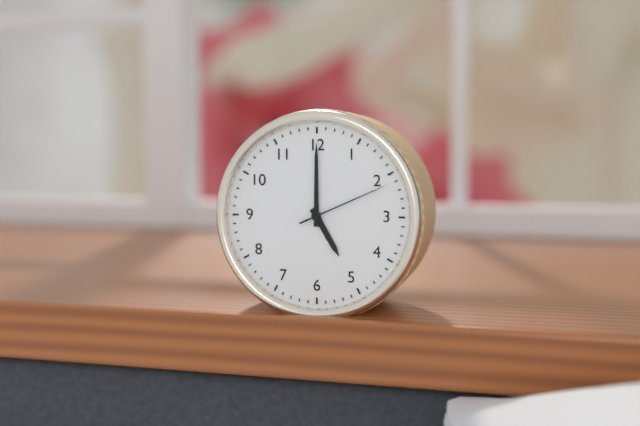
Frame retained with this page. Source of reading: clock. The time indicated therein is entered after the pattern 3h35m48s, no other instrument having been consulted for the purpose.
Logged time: 5h00m11s
